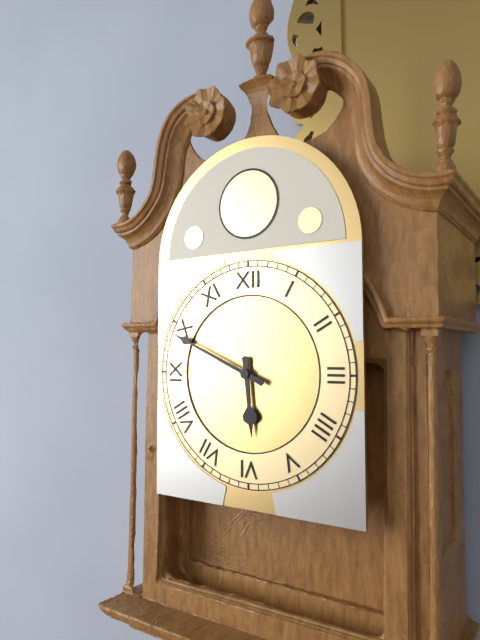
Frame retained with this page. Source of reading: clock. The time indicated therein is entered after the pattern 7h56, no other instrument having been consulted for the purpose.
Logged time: 5h49
